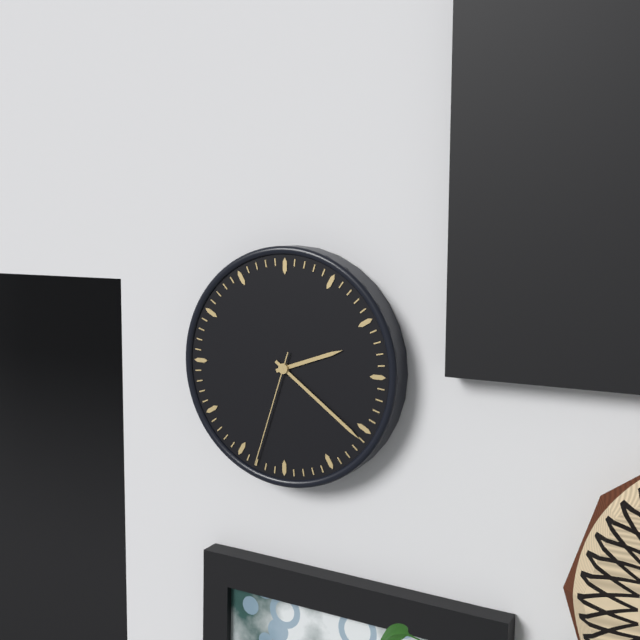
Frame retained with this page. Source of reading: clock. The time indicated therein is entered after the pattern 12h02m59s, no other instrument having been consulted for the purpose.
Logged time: 2h21m33s
